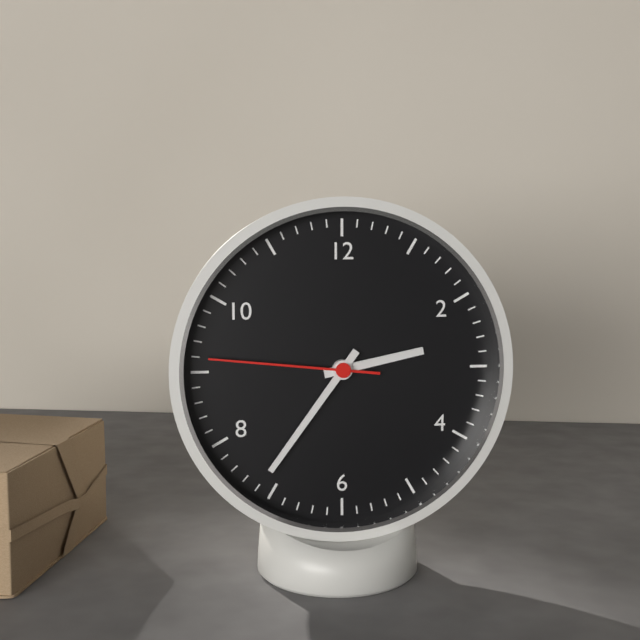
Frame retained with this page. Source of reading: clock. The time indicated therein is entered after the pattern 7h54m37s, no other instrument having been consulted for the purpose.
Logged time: 2h36m46s
